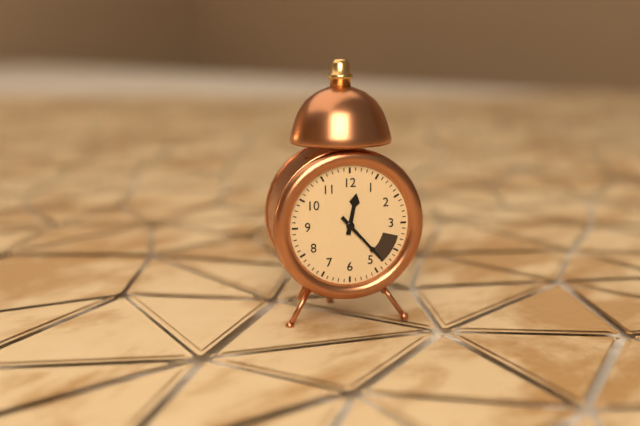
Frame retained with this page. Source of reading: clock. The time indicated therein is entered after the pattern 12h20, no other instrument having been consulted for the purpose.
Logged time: 12h23
